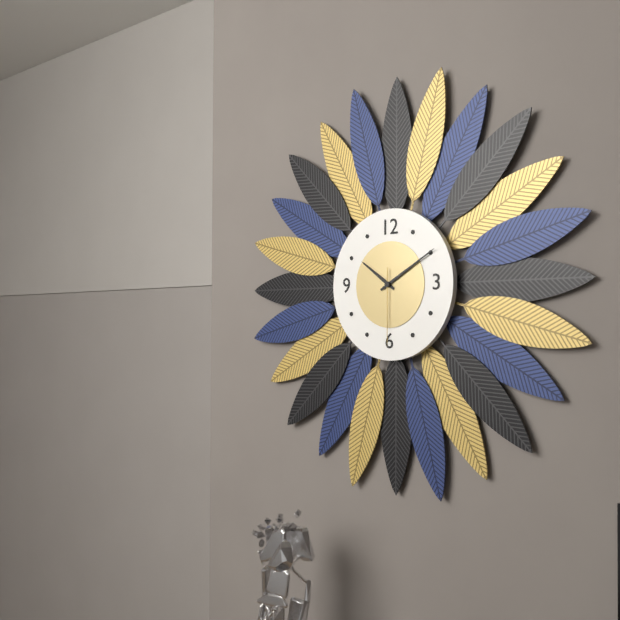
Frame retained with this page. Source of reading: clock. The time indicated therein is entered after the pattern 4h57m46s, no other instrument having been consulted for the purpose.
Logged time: 10h10m30s
